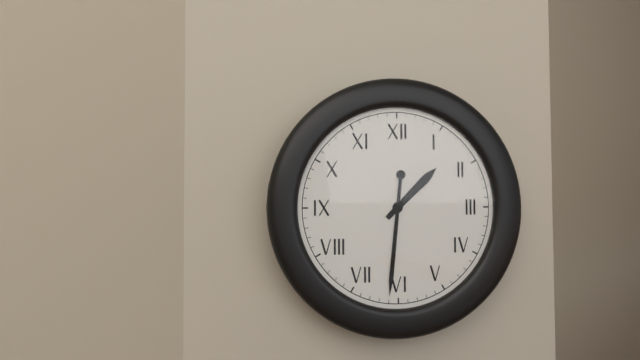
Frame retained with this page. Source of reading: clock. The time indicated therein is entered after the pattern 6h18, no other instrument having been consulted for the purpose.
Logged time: 1h31
